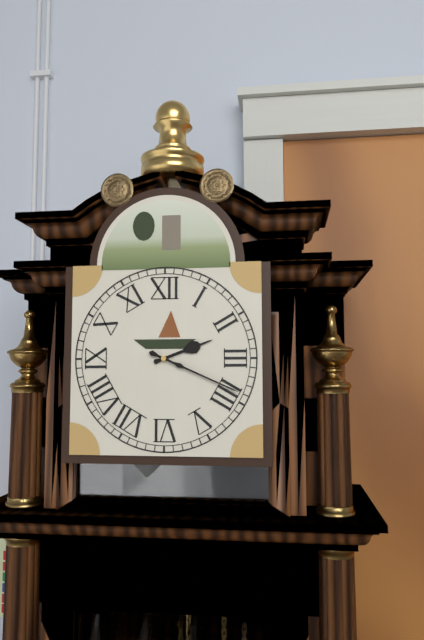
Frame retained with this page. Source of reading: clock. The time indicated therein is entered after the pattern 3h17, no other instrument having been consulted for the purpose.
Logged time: 2h19
